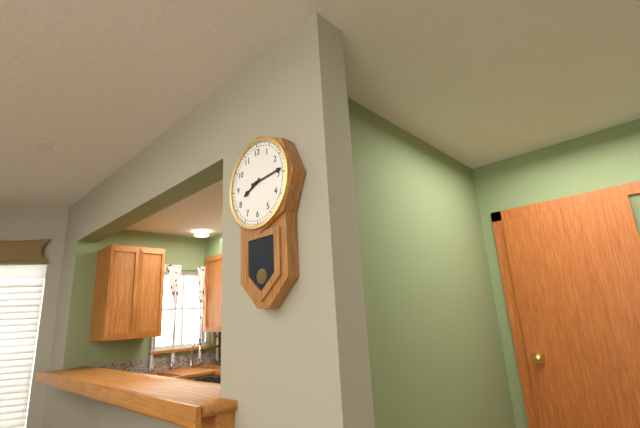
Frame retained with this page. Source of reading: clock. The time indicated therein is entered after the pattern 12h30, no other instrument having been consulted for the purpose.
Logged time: 8h14
